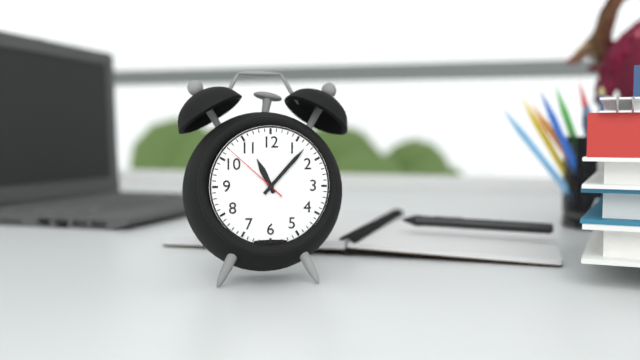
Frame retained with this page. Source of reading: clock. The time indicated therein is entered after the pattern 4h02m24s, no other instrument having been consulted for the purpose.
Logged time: 11h07m52s
